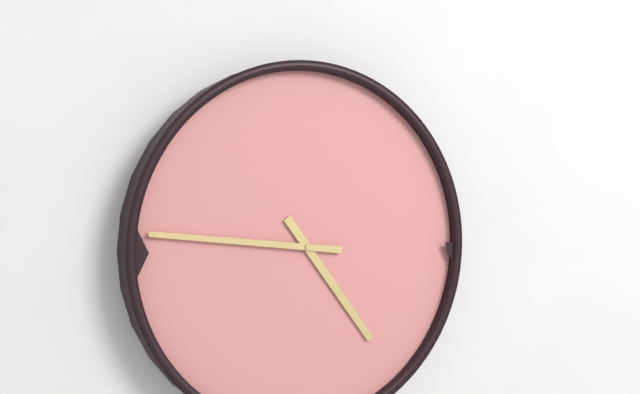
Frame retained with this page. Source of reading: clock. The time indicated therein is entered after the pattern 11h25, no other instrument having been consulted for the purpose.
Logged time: 4h46
